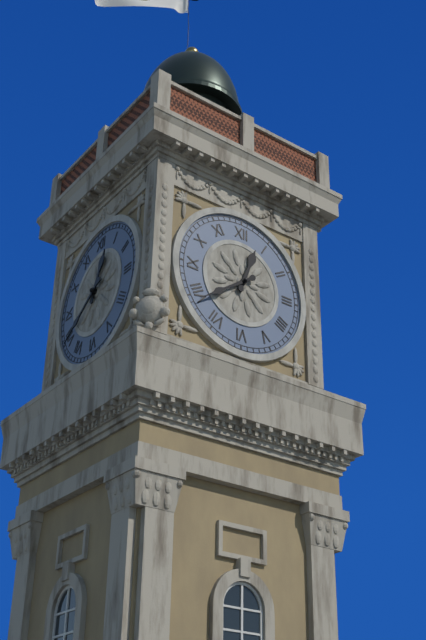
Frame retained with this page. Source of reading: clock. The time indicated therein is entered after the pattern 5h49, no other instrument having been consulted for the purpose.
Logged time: 12h39
